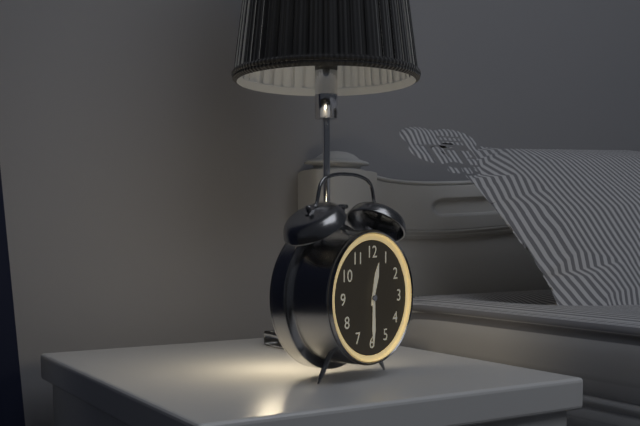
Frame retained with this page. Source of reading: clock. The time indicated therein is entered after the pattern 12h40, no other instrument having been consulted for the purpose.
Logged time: 12h30
